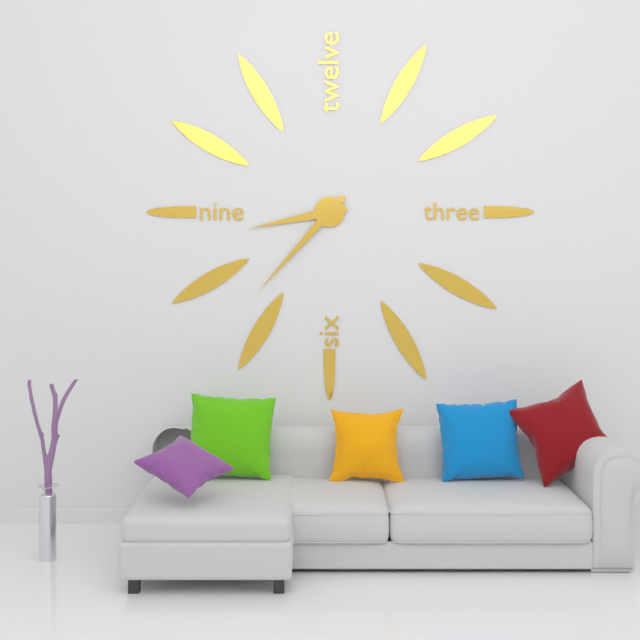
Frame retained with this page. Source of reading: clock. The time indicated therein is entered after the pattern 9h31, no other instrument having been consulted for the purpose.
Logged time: 8h37
